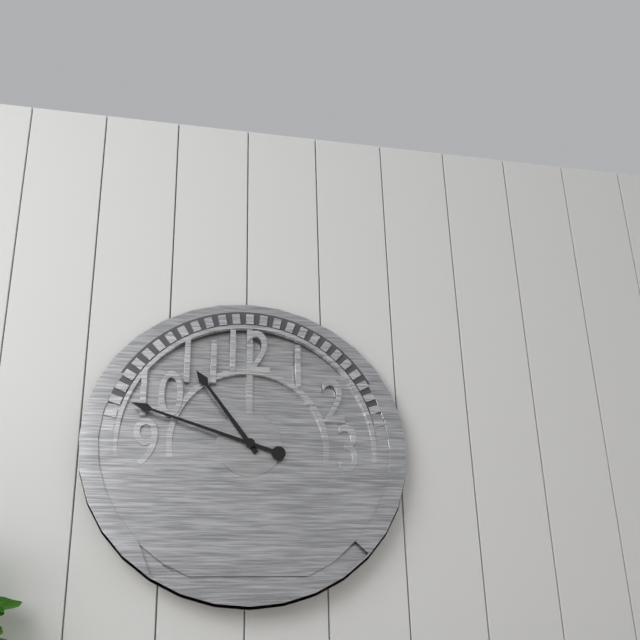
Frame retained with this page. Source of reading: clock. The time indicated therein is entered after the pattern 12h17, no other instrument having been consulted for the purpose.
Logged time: 10h48
